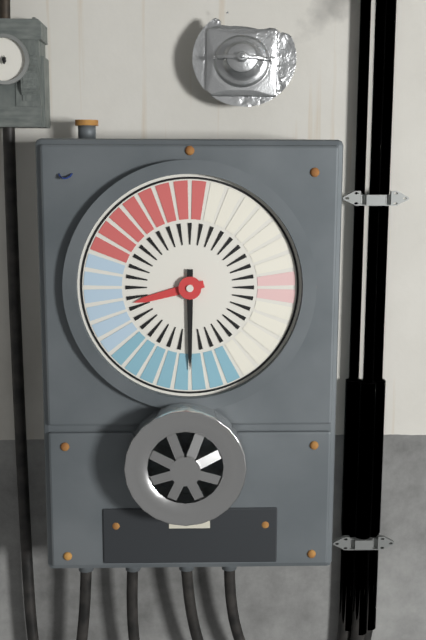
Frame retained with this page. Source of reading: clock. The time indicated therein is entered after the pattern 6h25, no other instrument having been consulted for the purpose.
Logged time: 8h30
